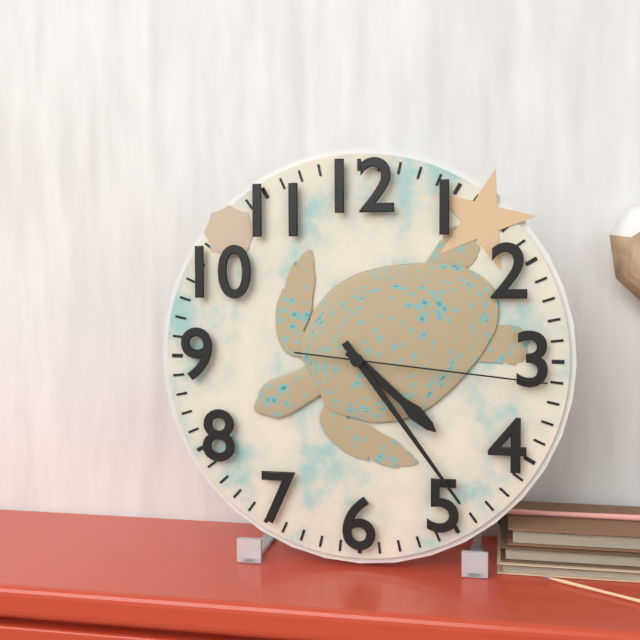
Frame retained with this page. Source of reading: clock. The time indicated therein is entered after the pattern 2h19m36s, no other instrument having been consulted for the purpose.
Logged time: 4h24m16s
